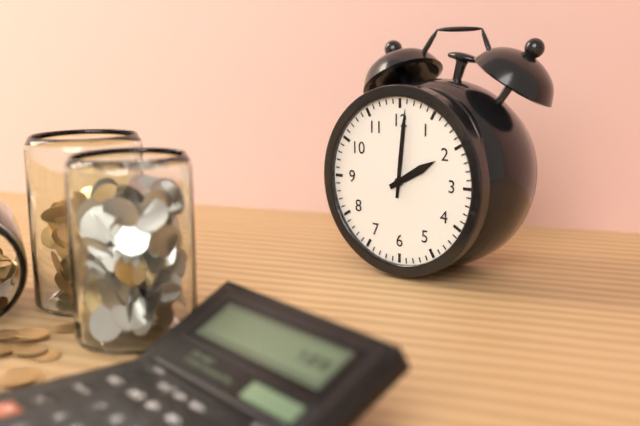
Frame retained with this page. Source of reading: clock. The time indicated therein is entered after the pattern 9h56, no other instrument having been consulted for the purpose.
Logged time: 2h01
